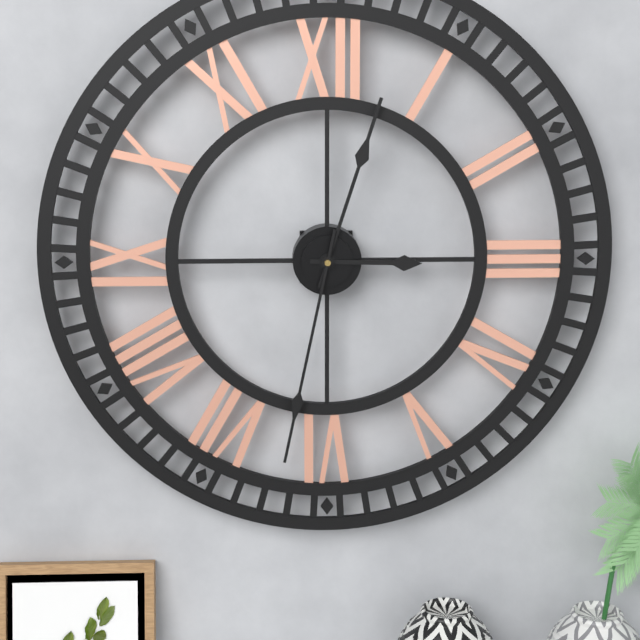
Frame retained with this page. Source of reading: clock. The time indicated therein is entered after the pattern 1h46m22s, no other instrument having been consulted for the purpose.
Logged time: 3h03m32s
